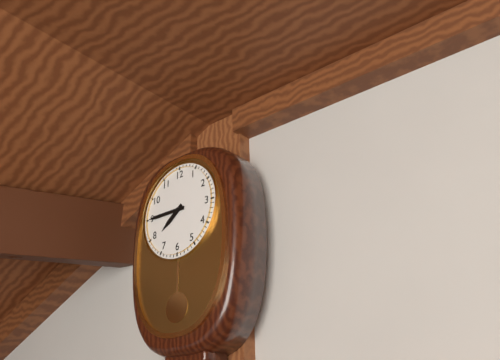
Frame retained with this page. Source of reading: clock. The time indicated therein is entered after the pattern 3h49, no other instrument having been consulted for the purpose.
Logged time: 7h45
